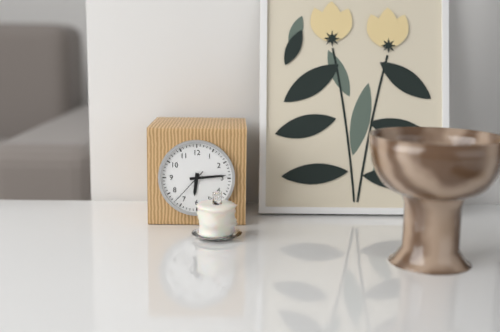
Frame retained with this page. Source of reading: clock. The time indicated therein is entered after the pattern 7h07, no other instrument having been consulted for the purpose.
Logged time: 6h14
